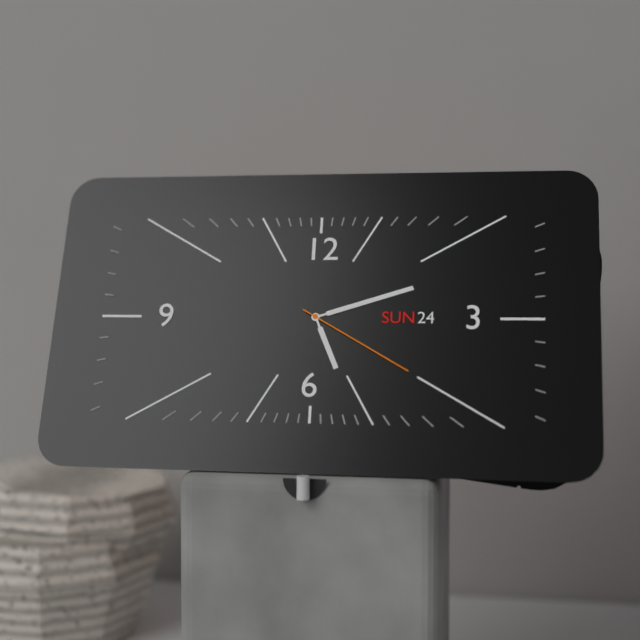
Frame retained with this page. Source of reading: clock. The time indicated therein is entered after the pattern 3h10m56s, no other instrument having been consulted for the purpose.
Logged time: 5h12m20s
